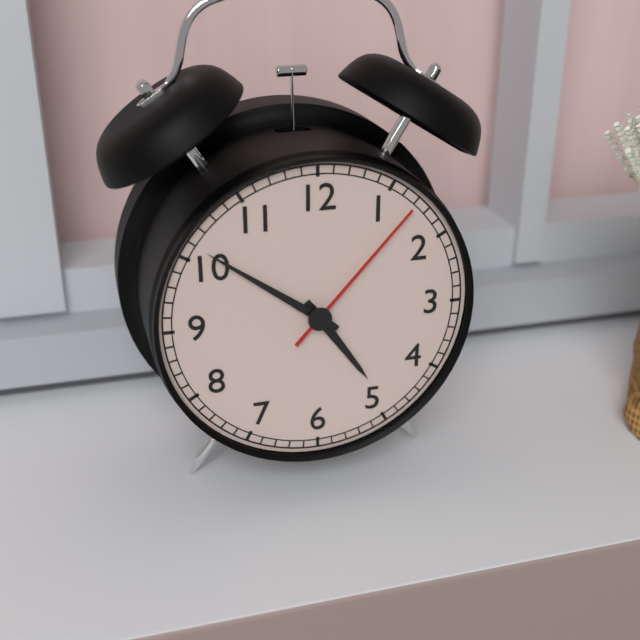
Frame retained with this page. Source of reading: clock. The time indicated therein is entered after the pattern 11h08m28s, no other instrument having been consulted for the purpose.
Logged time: 4h51m07s
